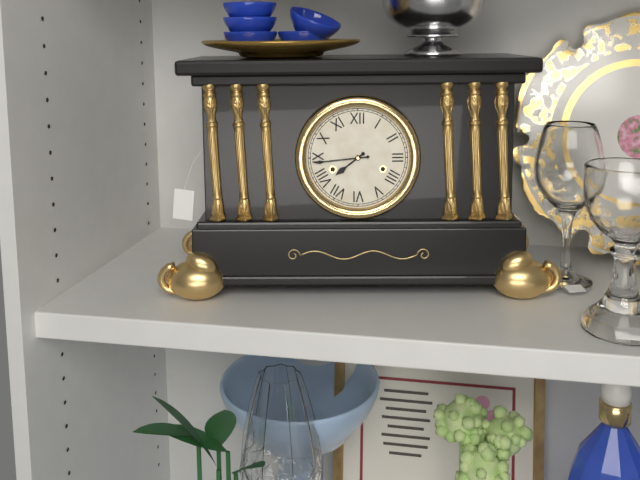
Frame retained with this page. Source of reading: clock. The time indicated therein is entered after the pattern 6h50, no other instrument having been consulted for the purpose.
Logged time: 7h44
